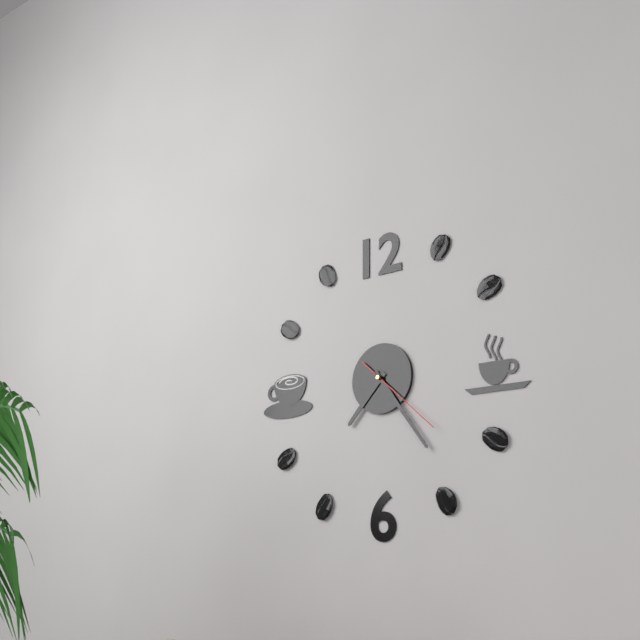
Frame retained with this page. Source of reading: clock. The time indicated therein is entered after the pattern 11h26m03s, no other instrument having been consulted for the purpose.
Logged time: 7h24m22s
